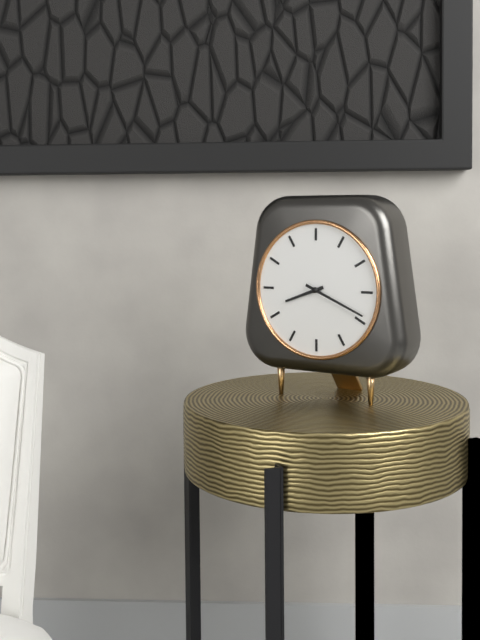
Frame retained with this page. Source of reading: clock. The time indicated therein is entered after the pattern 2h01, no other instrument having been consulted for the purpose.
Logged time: 8h19
